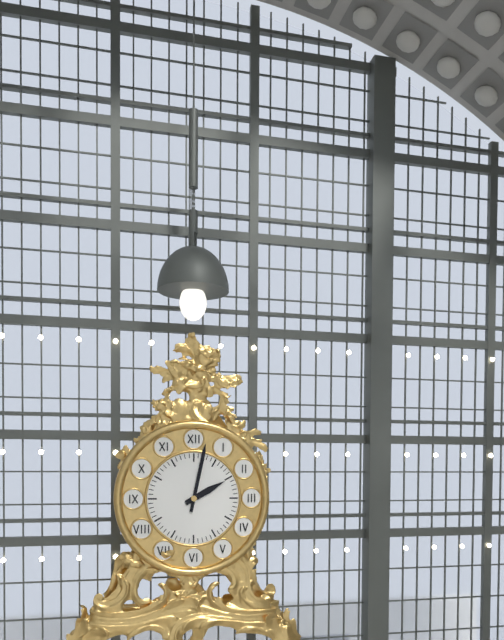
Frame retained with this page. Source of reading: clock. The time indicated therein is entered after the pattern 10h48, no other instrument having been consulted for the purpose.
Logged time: 2h02
